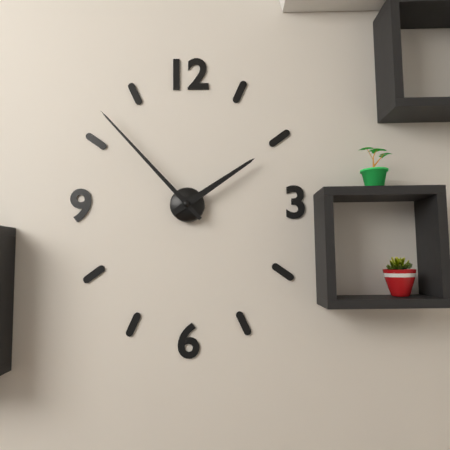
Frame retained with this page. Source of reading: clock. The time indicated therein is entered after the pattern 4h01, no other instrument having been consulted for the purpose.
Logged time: 1h53
